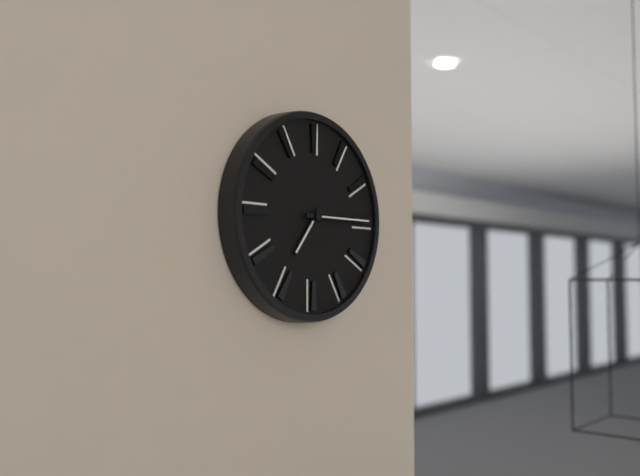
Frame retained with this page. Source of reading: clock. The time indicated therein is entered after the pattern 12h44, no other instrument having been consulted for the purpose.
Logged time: 7h15
